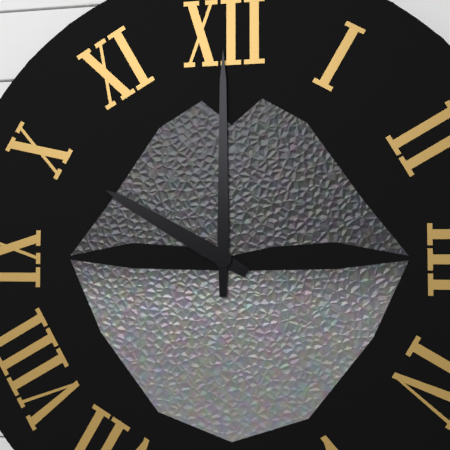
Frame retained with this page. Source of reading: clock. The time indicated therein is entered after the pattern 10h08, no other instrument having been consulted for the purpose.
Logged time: 10h00
